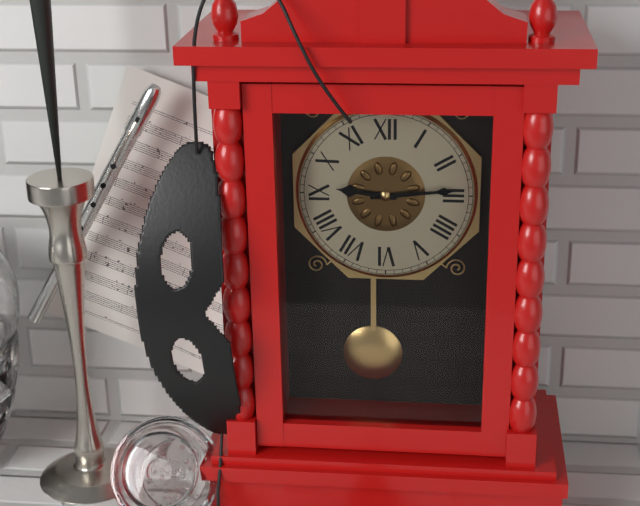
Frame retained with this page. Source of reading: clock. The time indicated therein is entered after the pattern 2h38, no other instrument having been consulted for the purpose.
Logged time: 9h14
